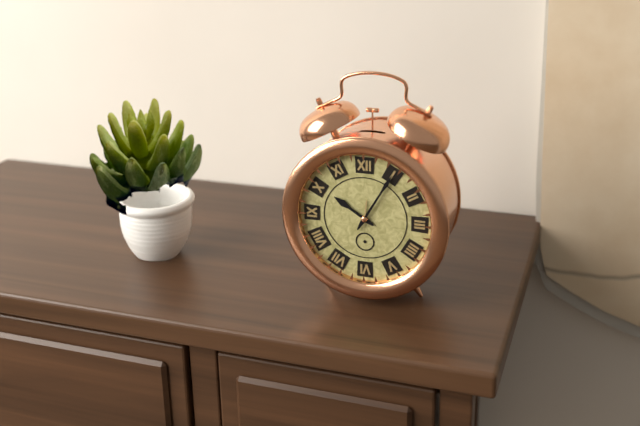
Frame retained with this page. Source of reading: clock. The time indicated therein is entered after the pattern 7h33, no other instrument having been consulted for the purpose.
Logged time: 10h05
